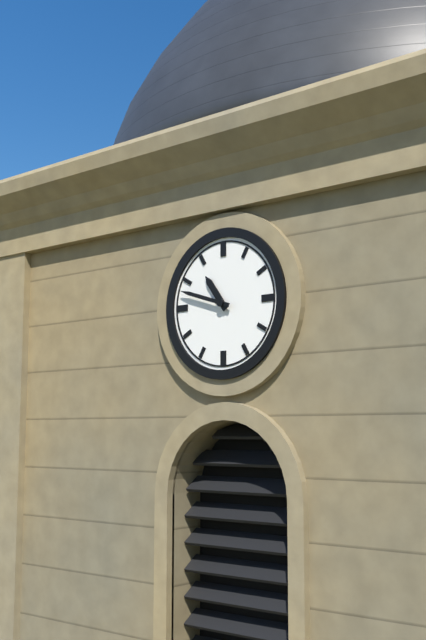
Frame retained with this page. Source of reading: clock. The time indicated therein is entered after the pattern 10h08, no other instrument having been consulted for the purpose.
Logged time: 10h48
